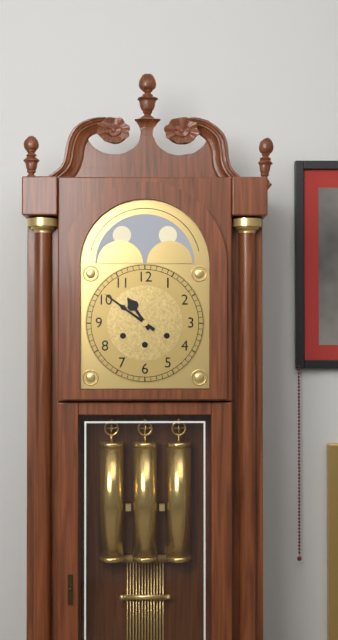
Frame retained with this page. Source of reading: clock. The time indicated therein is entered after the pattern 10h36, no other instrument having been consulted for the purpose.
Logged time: 10h51
